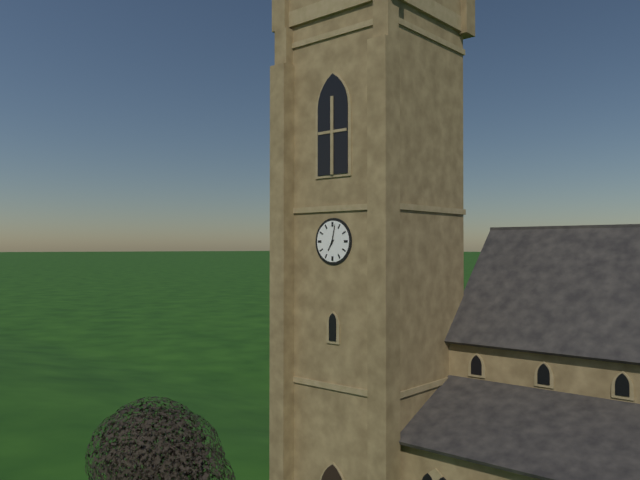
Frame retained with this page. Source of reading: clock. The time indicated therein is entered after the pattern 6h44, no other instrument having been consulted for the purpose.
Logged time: 7h02
